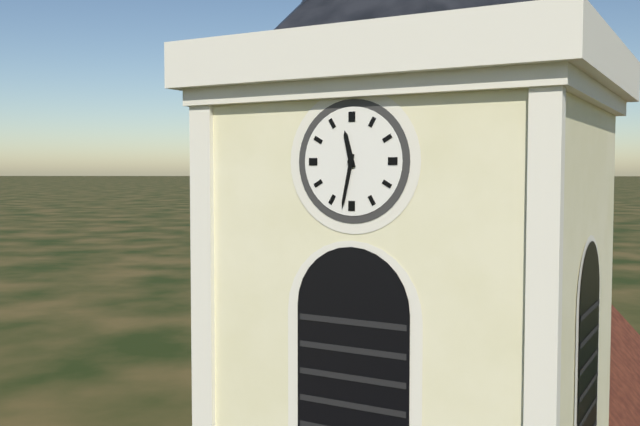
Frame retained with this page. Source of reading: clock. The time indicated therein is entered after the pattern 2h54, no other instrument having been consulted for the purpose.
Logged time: 11h32
